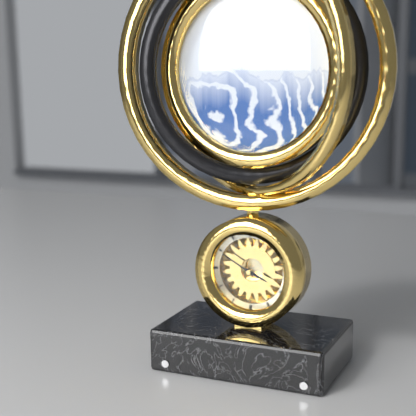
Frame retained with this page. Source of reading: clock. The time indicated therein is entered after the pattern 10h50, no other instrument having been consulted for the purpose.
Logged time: 3h50
